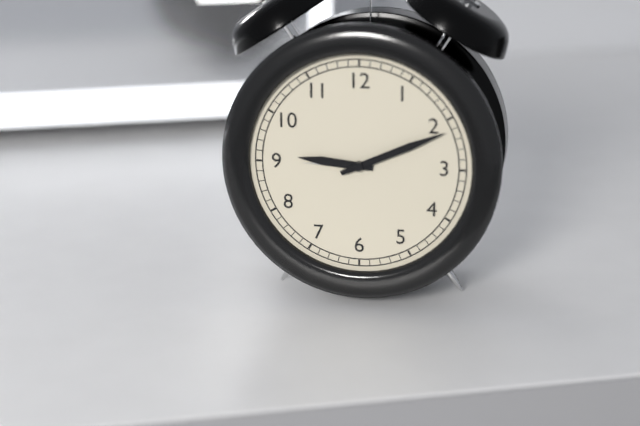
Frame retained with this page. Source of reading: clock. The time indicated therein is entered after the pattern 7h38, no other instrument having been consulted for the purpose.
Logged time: 9h11
